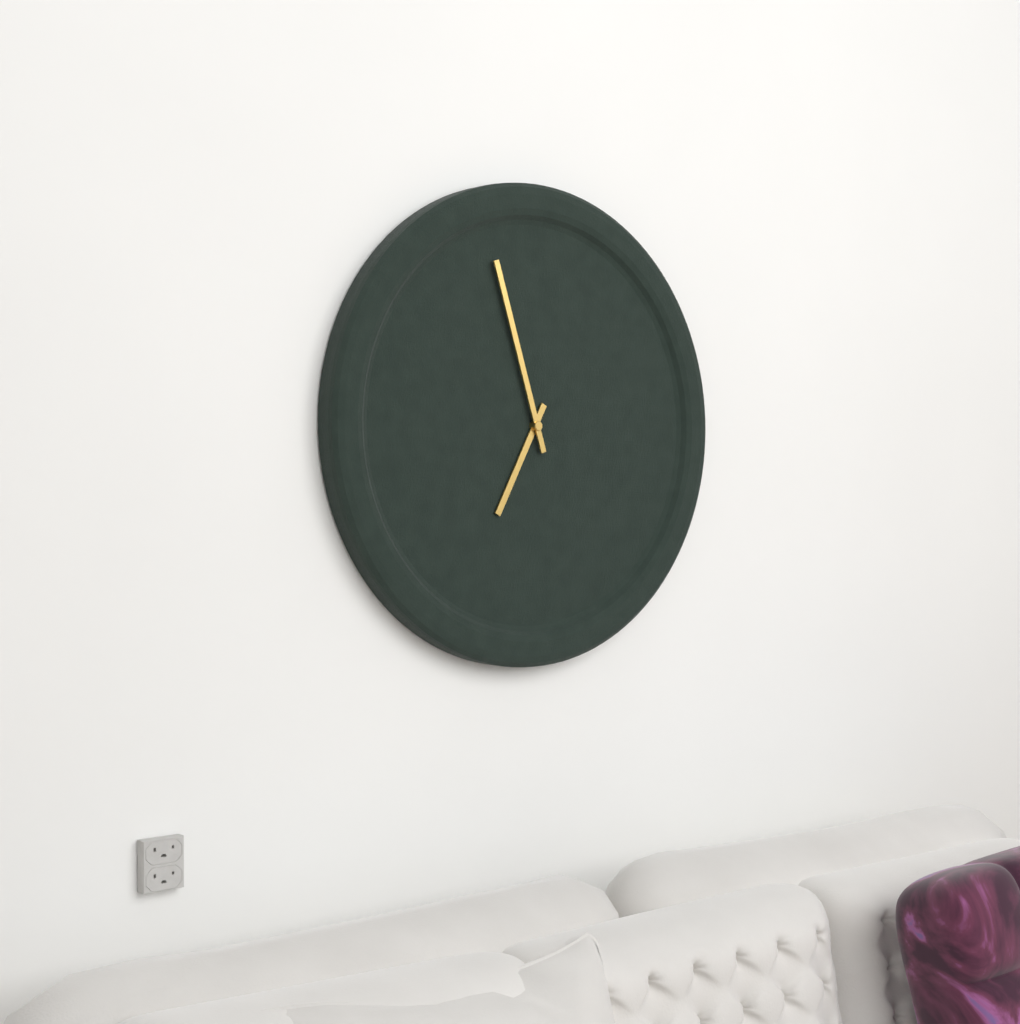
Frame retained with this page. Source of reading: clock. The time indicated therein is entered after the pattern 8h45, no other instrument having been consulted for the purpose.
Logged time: 6h57
